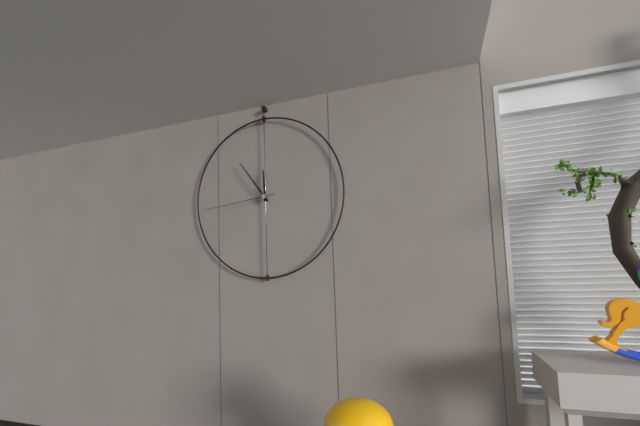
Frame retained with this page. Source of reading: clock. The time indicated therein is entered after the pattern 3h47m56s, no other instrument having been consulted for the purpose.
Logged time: 11h54m44s
